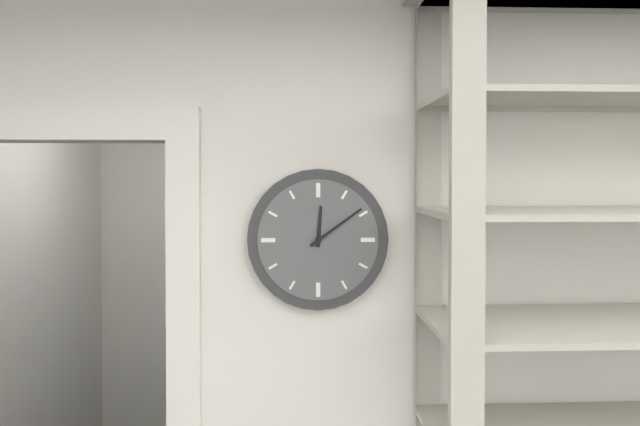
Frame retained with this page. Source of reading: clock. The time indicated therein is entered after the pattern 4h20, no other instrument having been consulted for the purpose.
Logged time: 12h09
